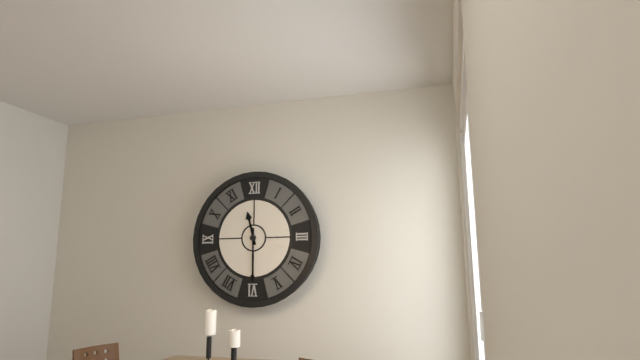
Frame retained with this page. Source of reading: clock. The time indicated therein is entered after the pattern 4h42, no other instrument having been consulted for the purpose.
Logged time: 11h30
